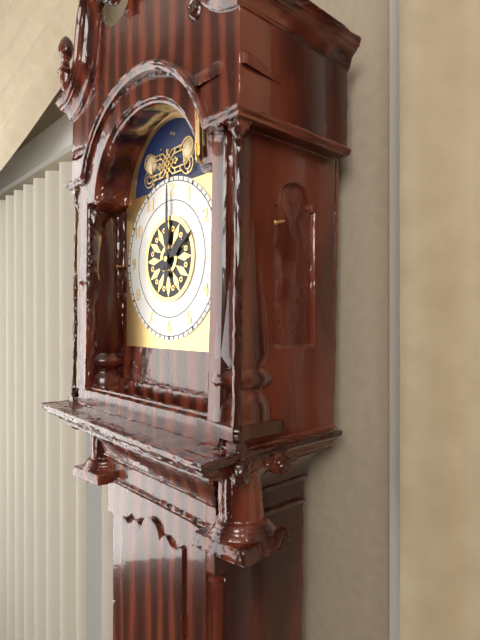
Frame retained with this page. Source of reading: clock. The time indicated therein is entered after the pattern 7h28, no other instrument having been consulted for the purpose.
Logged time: 2h00
